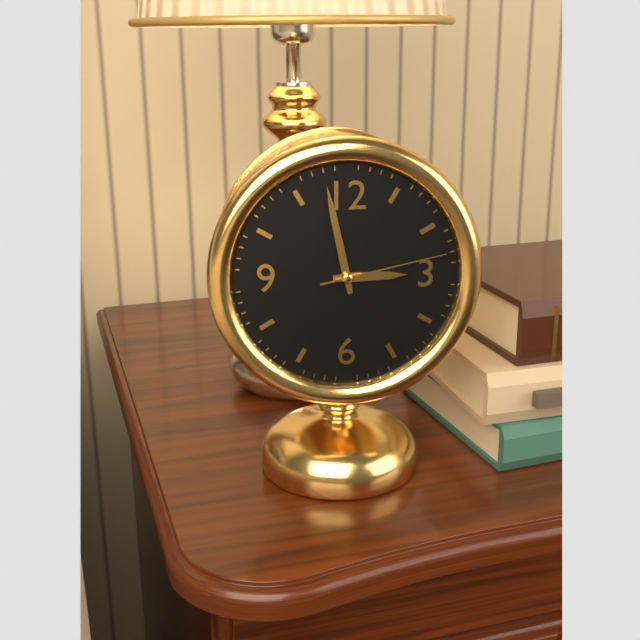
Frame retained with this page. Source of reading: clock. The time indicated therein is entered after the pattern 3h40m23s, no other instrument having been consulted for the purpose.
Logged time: 2h58m13s
